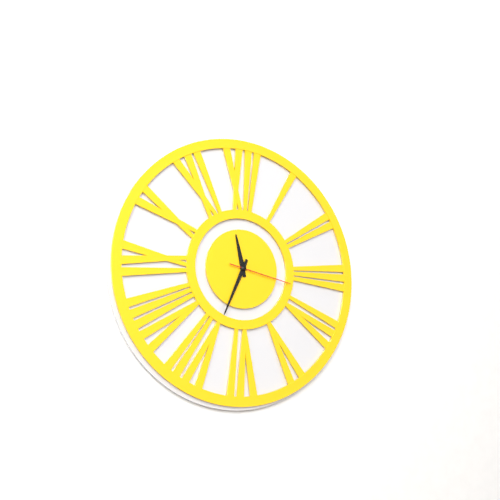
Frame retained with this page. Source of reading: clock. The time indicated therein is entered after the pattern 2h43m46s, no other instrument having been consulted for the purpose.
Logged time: 11h34m17s
